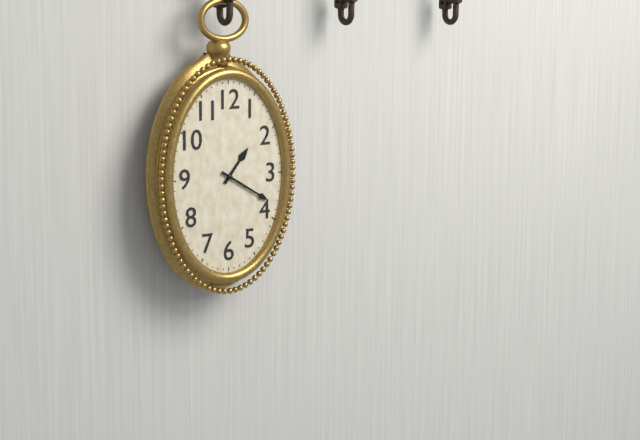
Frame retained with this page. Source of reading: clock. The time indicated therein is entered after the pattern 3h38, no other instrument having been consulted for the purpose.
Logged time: 1h20
